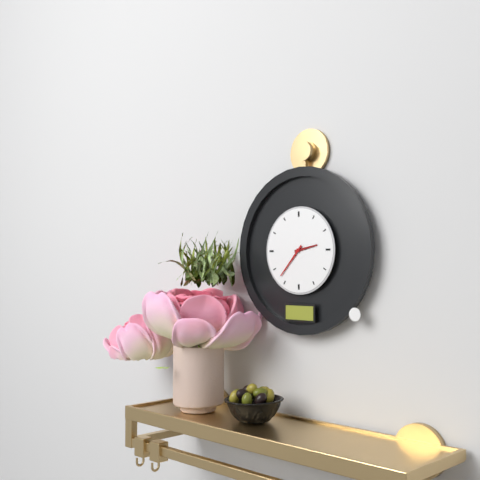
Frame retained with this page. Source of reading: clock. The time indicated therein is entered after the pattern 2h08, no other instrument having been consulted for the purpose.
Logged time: 2h37
